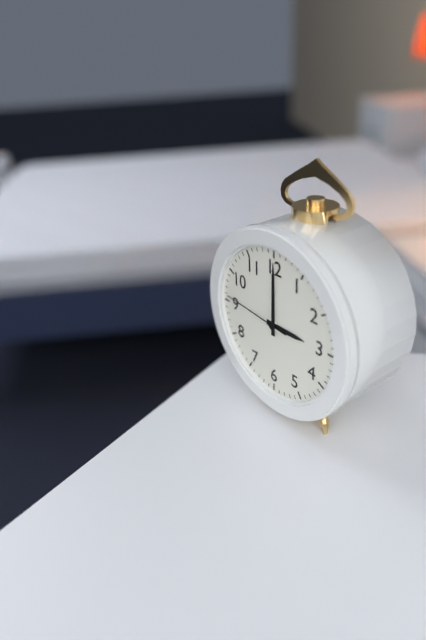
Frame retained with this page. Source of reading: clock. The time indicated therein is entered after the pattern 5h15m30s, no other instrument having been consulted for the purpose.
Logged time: 3h00m46s
